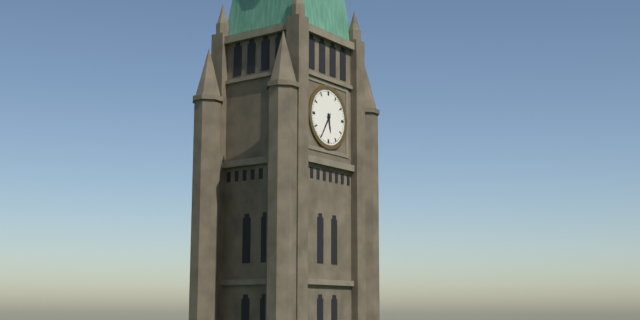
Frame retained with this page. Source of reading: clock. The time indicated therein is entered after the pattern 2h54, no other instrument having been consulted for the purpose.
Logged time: 5h35
